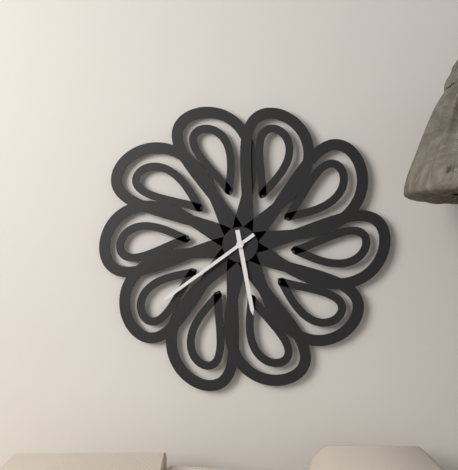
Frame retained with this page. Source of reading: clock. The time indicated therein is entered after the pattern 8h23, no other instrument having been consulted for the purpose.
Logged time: 5h39
